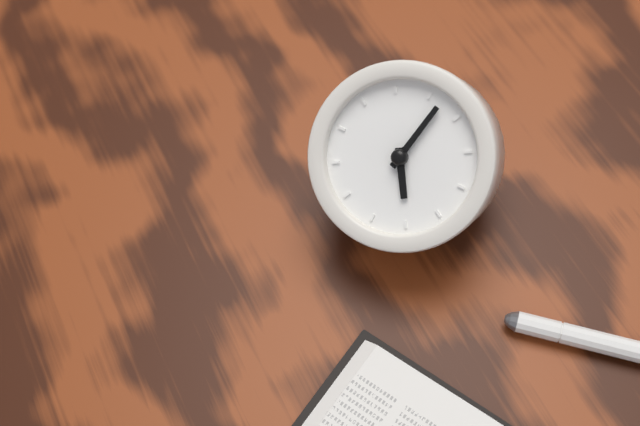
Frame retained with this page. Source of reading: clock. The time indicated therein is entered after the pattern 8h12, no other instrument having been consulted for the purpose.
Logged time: 3h57
